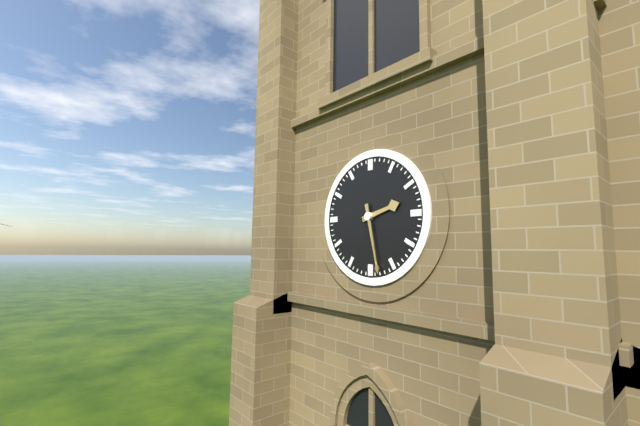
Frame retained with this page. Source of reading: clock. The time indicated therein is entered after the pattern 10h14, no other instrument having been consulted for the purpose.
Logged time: 2h28
